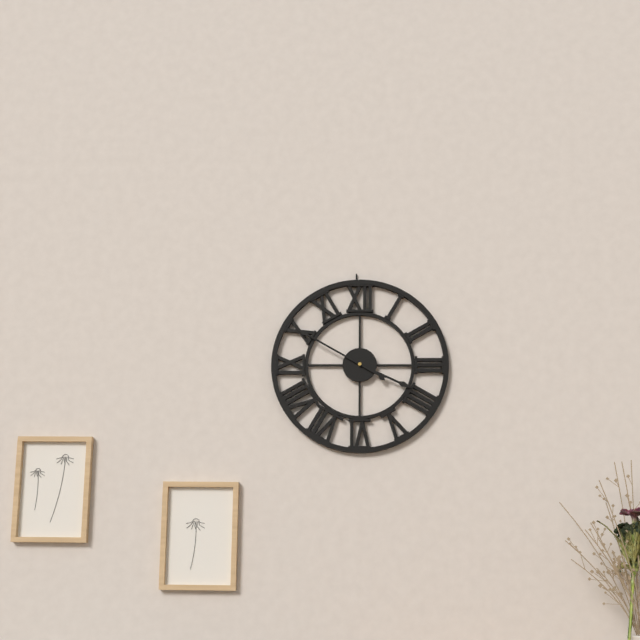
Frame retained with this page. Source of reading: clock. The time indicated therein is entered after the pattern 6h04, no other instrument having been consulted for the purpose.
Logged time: 3h50
